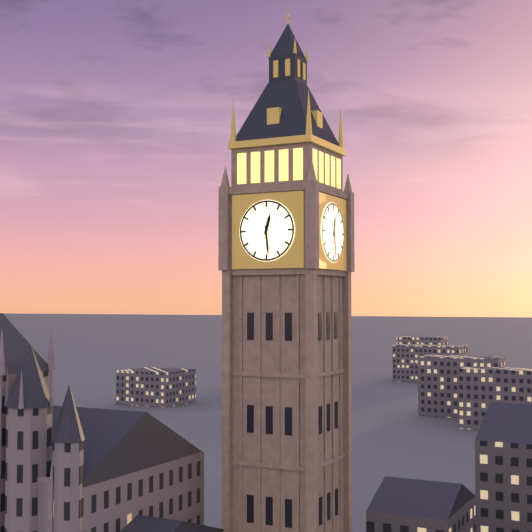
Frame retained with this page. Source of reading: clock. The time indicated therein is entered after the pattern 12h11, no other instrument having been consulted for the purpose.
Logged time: 12h29
